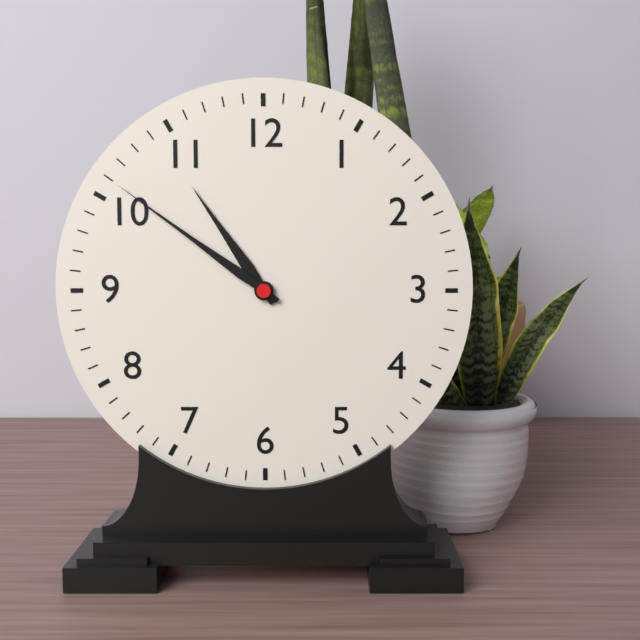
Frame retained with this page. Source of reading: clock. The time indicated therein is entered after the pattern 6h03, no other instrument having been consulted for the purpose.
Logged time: 10h51
